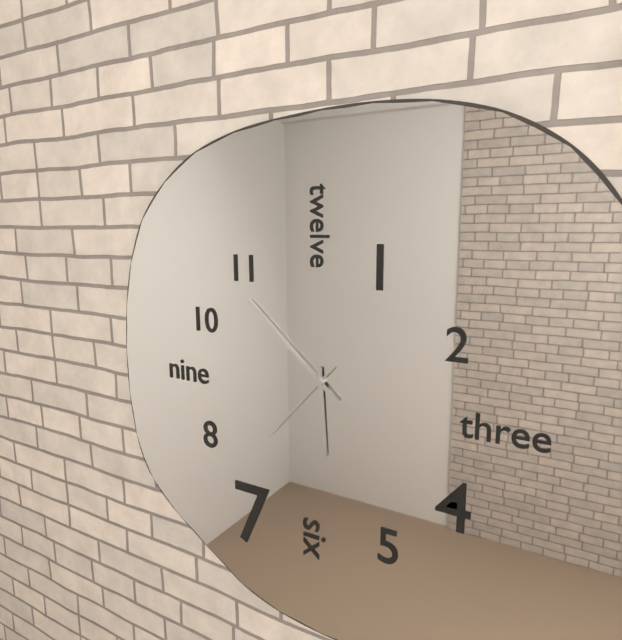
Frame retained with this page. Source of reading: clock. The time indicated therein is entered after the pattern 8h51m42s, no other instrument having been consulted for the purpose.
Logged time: 5h52m37s
